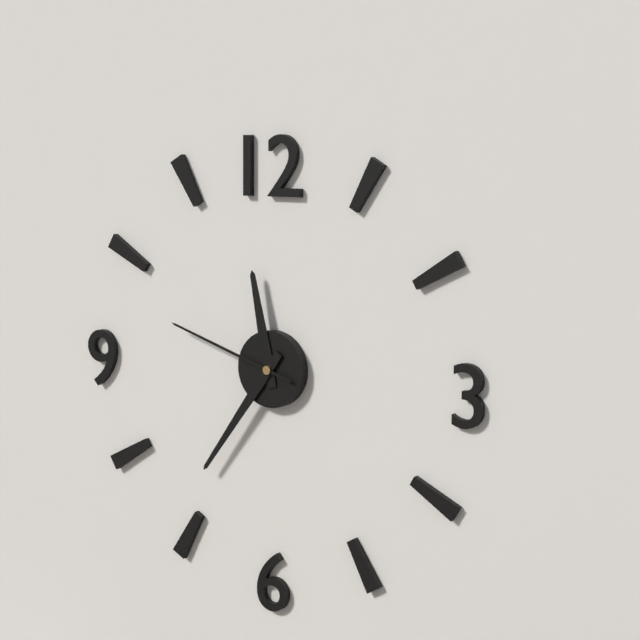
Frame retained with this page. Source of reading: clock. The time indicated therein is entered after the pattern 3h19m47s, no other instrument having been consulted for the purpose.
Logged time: 11h36m48s
